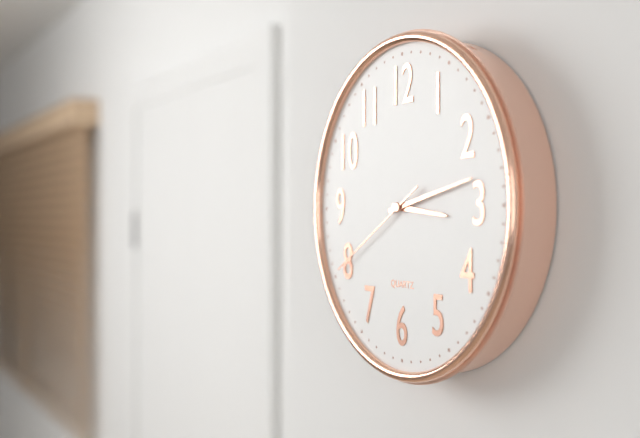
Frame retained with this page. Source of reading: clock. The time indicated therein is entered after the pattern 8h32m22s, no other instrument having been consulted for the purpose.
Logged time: 3h13m40s
